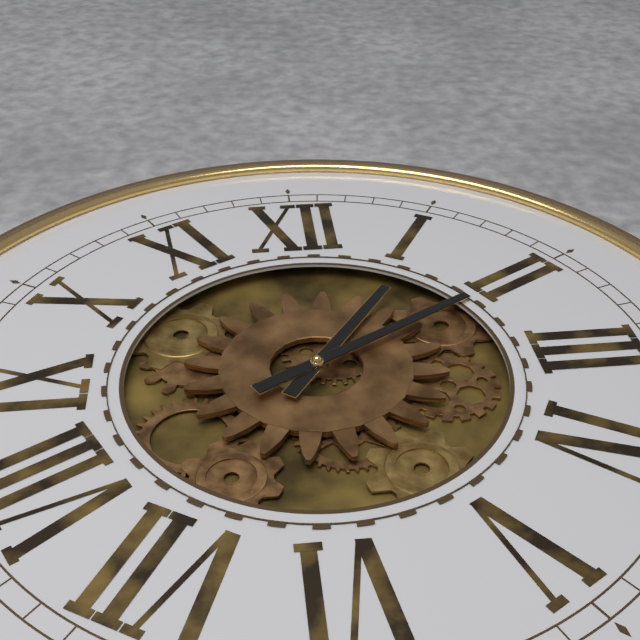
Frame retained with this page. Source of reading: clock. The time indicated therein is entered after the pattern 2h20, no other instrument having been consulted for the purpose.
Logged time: 1h10
